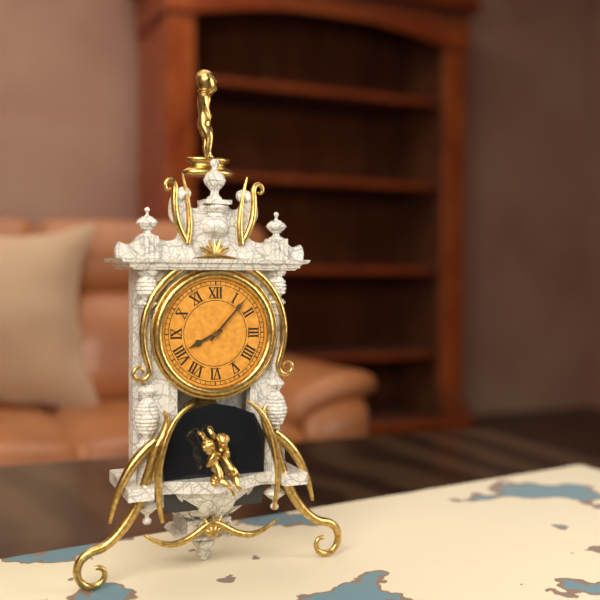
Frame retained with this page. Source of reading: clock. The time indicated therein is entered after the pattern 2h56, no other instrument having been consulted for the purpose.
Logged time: 8h07
